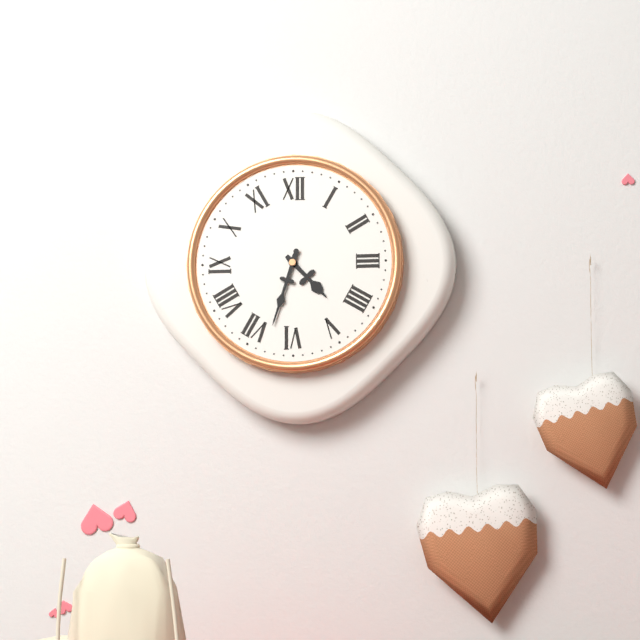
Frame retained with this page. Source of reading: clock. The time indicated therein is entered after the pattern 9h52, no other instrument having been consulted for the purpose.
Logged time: 4h33
